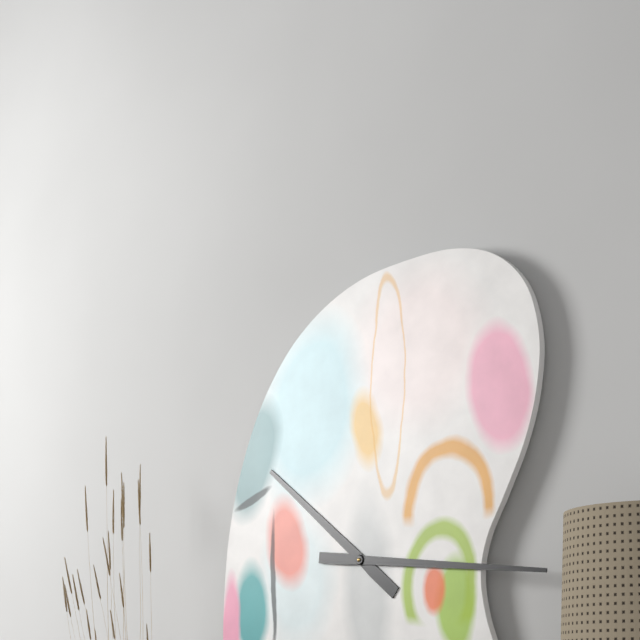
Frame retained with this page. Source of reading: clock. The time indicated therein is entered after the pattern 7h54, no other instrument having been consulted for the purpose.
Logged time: 10h16
